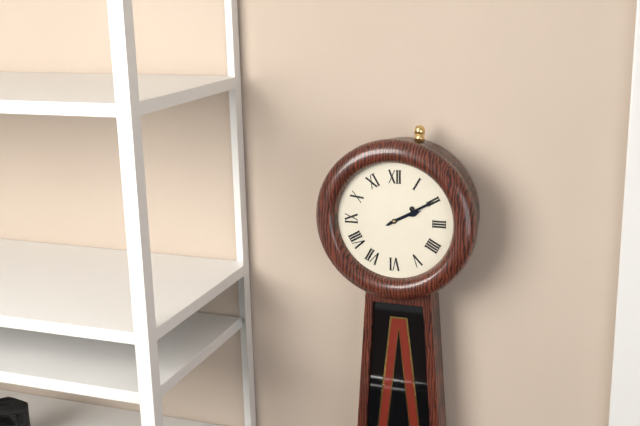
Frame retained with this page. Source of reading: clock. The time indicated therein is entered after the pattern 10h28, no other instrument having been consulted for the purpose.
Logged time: 2h10
